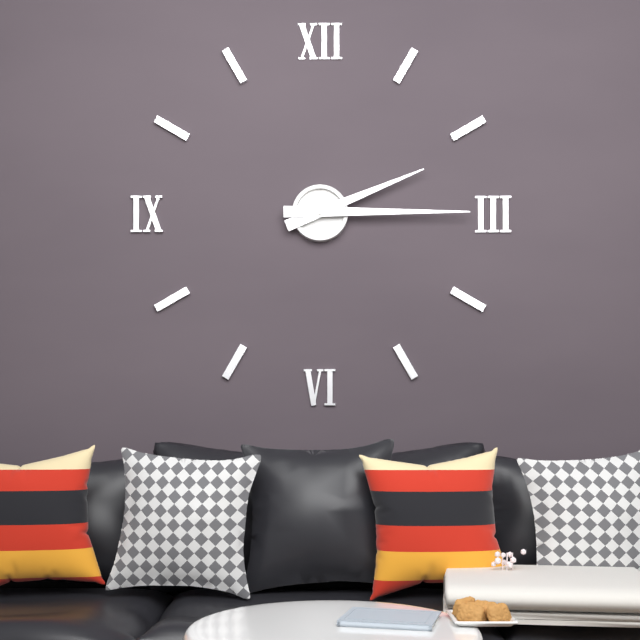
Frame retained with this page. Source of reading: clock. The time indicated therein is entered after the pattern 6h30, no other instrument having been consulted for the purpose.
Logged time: 2h15
